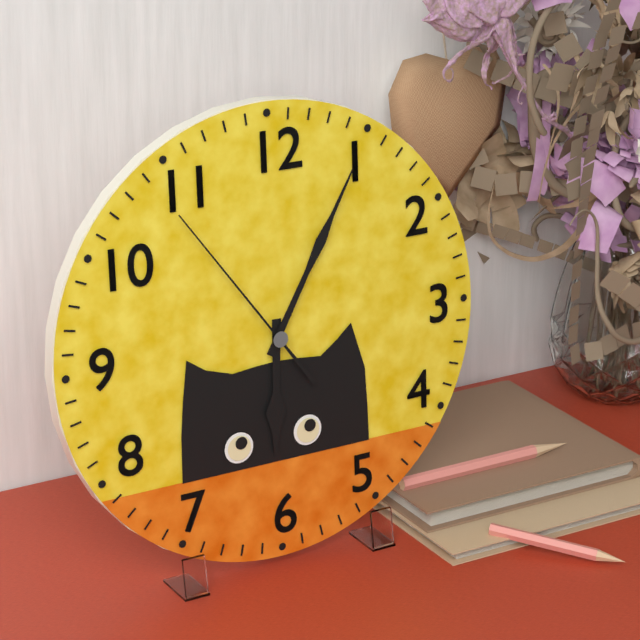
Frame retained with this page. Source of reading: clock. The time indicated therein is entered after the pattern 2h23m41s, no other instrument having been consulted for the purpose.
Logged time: 6h05m54s
